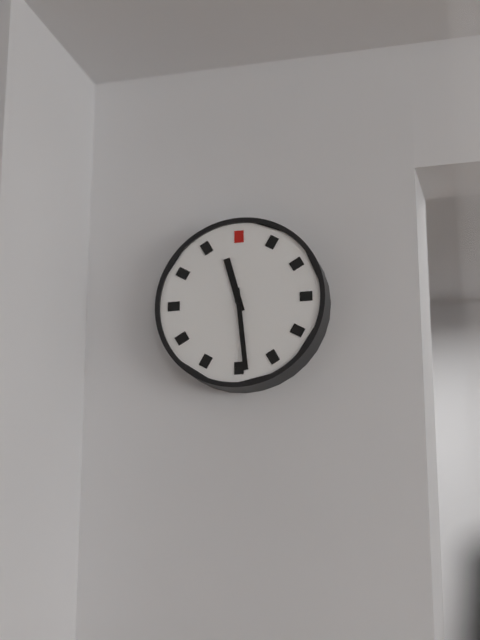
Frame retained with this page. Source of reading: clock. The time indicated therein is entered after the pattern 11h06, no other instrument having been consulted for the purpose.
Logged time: 11h29
